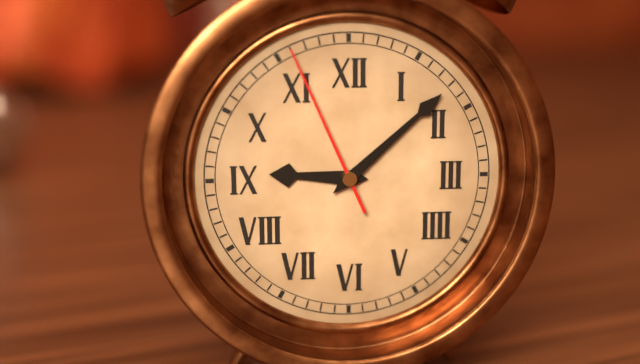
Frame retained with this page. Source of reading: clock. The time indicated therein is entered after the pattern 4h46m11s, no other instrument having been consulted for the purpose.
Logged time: 9h08m56s
